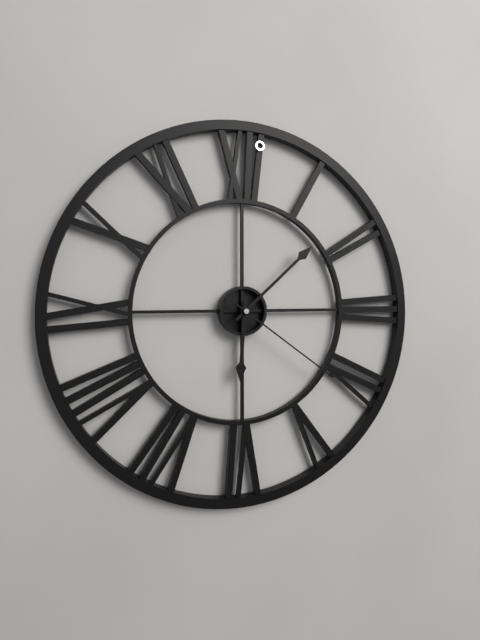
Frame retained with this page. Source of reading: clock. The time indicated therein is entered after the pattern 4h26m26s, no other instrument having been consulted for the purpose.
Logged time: 6h08m21s
